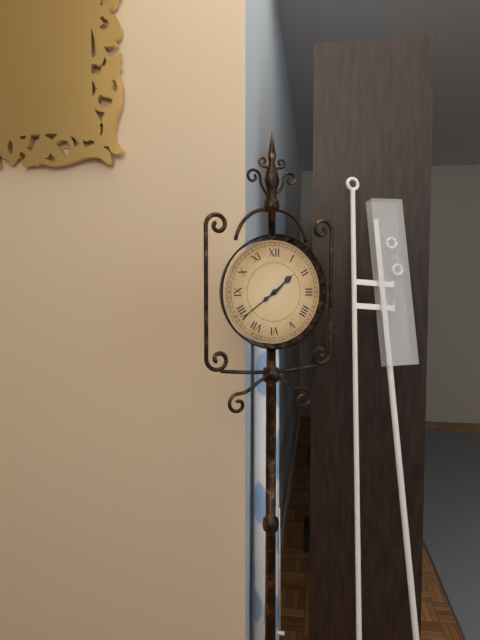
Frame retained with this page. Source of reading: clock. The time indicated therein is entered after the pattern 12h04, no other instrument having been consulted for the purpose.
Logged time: 1h39
